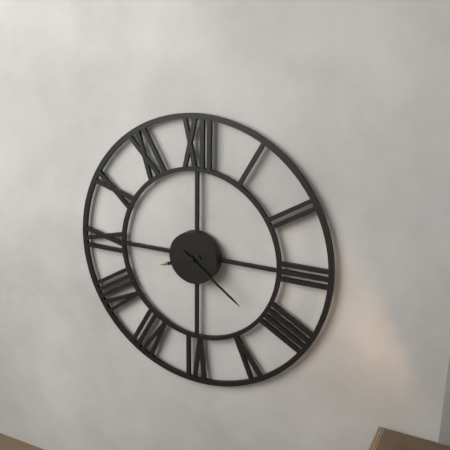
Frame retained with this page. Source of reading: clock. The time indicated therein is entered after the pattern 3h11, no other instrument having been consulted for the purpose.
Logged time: 8h21
